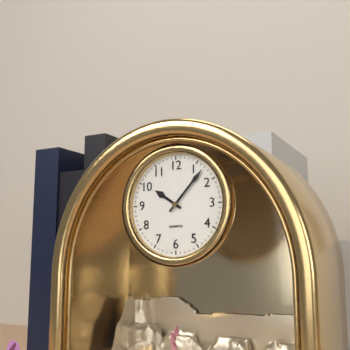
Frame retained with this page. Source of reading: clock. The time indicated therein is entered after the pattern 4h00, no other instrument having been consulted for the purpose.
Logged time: 10h07
